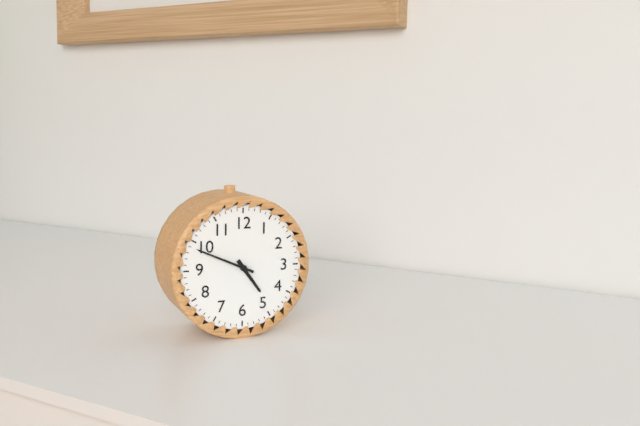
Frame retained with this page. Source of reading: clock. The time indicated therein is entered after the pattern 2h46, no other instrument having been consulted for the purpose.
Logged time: 4h49
